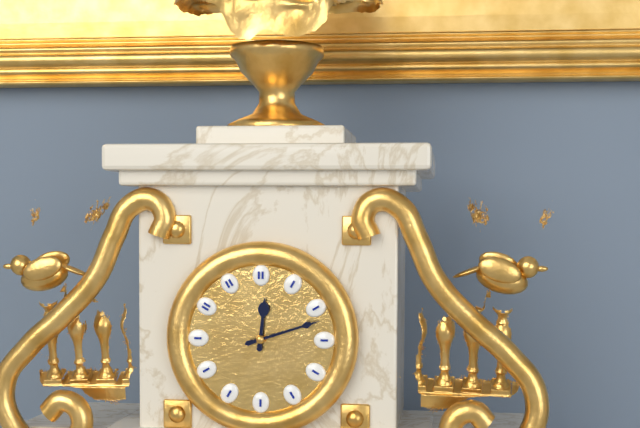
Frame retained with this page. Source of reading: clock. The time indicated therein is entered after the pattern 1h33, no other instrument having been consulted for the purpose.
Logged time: 12h12
